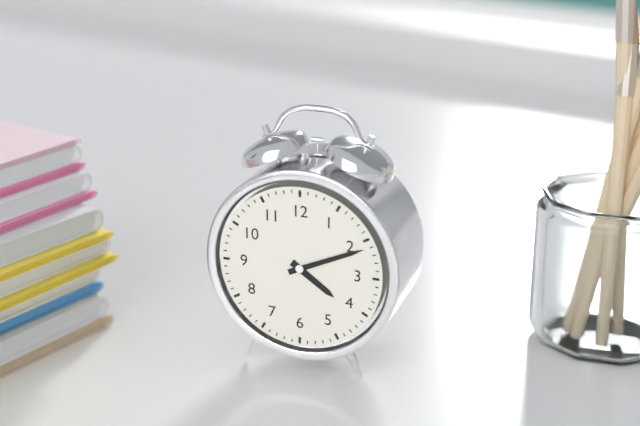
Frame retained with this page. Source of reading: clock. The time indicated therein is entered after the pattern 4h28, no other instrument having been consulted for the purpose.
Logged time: 4h11
